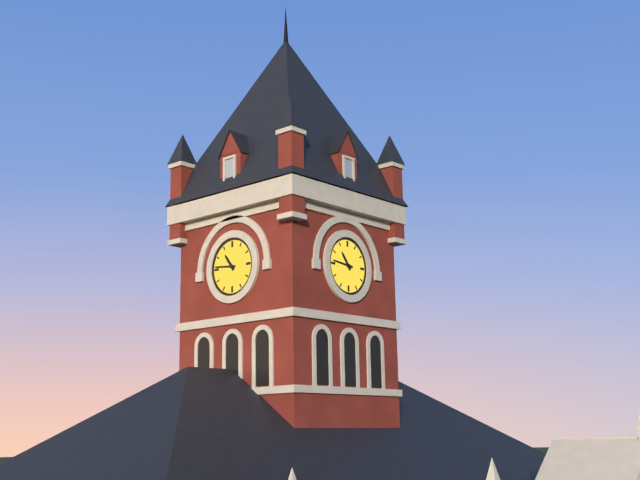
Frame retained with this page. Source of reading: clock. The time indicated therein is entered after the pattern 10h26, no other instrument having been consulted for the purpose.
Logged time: 10h46
